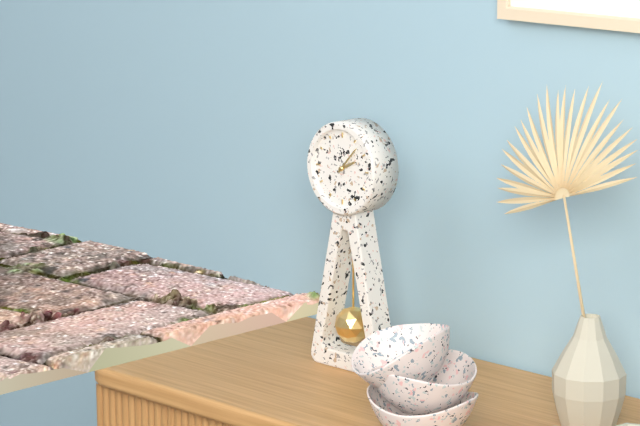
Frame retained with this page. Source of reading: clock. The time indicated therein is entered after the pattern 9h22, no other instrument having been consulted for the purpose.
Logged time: 2h07
